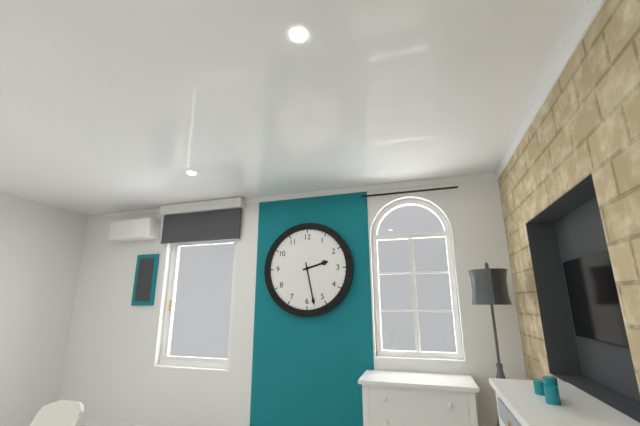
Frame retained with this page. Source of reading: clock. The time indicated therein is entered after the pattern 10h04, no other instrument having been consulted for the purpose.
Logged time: 2h28
